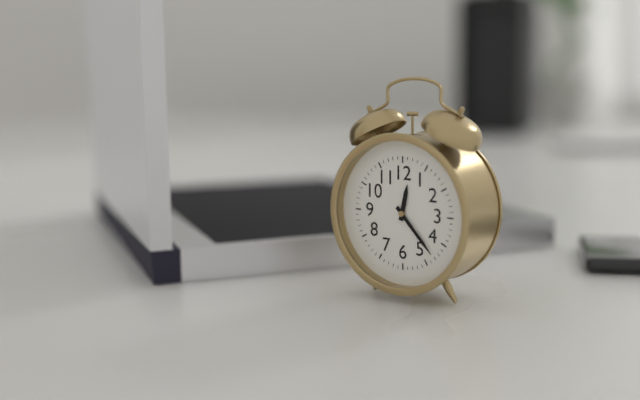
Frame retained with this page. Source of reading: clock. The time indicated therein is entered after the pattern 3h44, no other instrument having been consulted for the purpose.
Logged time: 12h23
